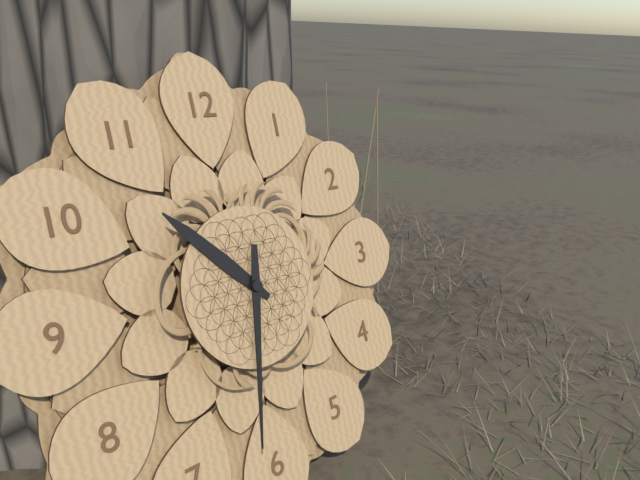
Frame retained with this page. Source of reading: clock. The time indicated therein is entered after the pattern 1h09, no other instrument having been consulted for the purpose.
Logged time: 10h32
